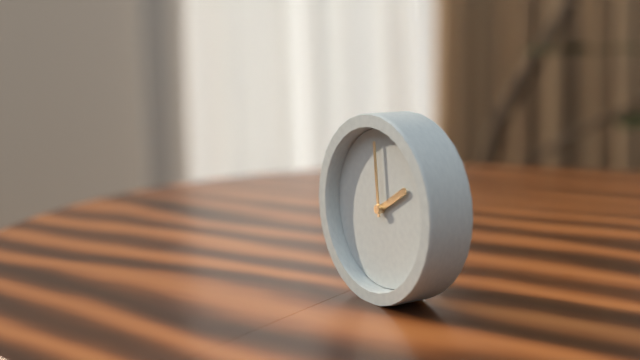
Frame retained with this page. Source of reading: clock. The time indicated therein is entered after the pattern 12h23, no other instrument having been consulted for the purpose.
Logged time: 1h59
